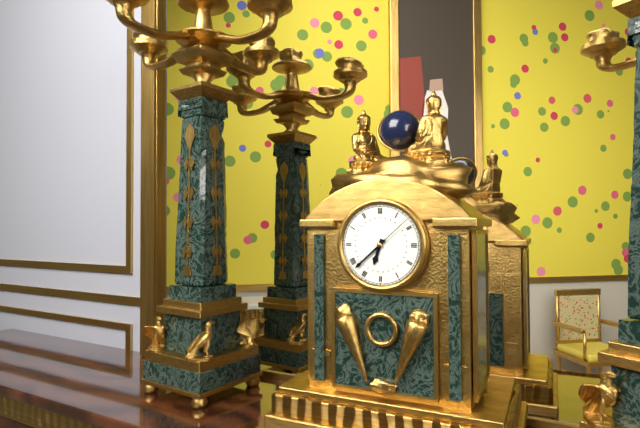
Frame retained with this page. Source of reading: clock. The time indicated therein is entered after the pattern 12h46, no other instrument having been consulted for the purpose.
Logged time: 6h38
